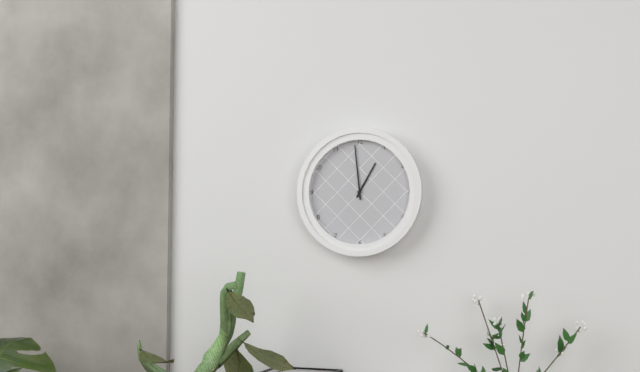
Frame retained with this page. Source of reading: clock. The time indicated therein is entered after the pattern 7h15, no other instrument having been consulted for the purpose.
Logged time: 12h59
